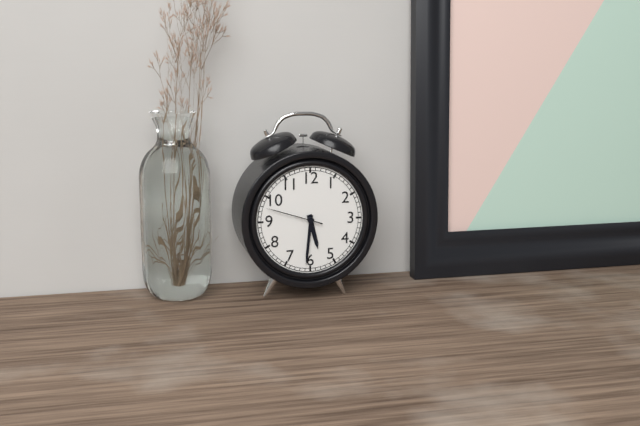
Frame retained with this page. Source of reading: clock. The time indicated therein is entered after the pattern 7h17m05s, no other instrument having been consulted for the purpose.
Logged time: 5h31m48s
